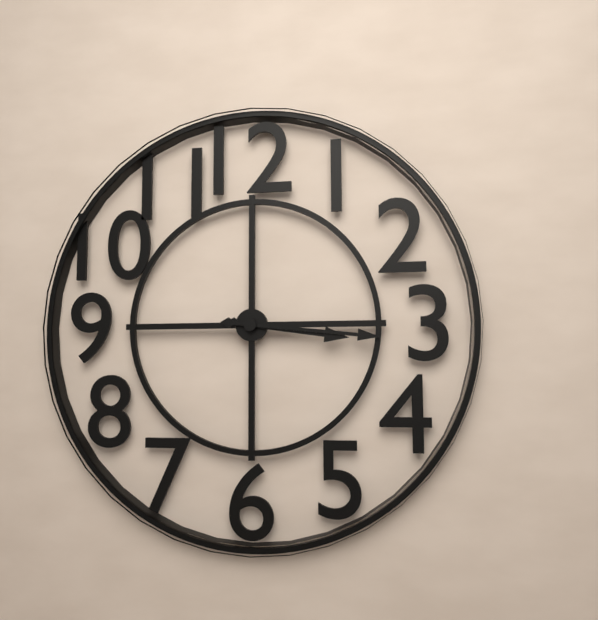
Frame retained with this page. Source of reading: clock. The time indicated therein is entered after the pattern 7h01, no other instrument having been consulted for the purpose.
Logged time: 3h16
